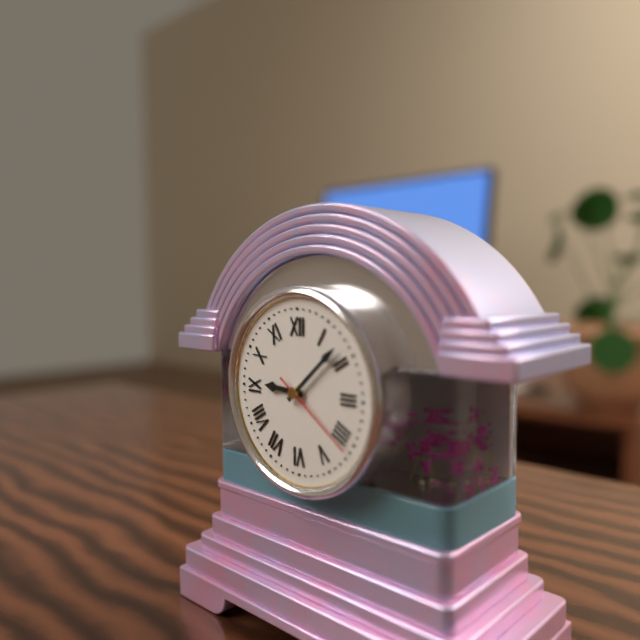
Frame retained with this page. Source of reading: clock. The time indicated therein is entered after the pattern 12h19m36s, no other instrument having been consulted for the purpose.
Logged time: 9h08m21s
